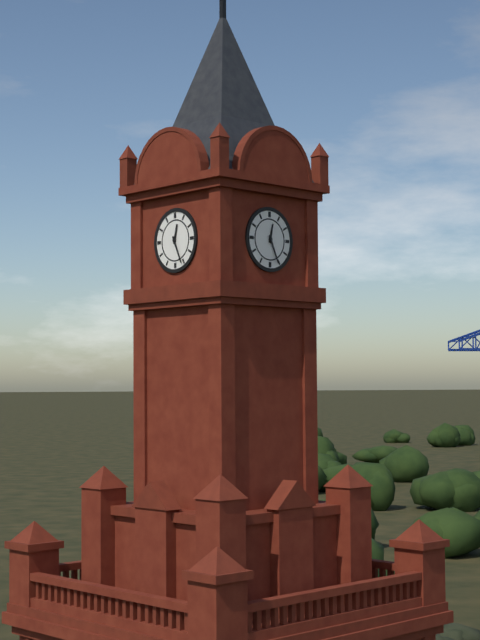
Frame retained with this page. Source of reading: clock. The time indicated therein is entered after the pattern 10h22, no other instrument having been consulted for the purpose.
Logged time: 12h26
